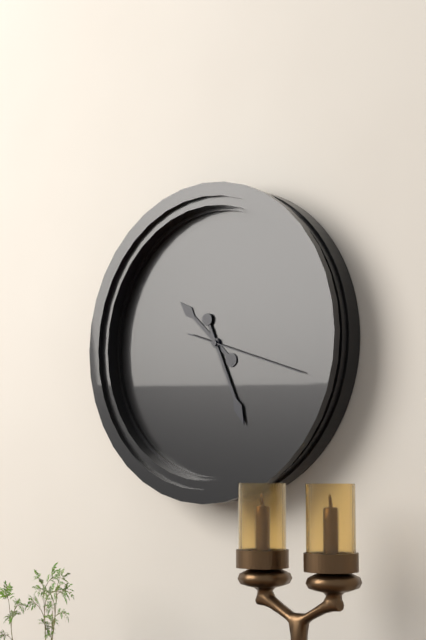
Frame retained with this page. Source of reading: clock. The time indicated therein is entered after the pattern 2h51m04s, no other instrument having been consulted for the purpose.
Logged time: 10h26m18s
